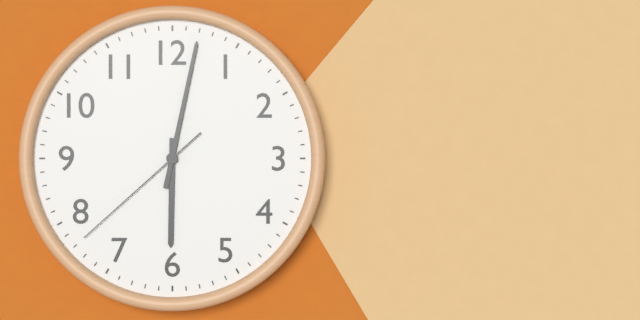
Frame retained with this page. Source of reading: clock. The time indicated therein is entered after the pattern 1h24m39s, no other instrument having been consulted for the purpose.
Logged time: 6h02m38s
